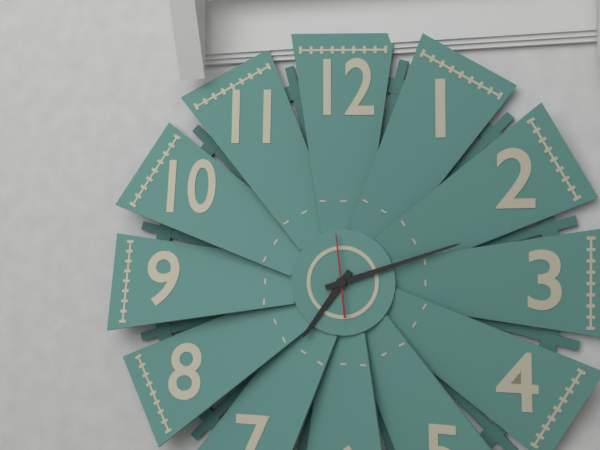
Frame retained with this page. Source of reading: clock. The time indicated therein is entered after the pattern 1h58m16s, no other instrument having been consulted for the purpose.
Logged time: 7h12m59s
